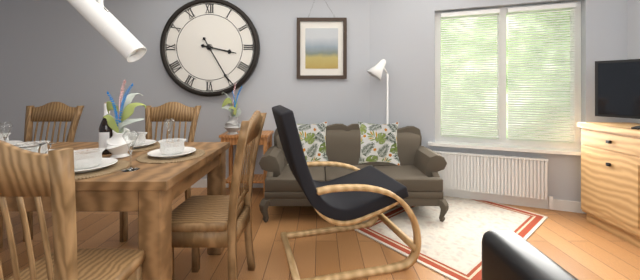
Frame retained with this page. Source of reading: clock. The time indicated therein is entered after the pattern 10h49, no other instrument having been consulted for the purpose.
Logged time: 3h25
